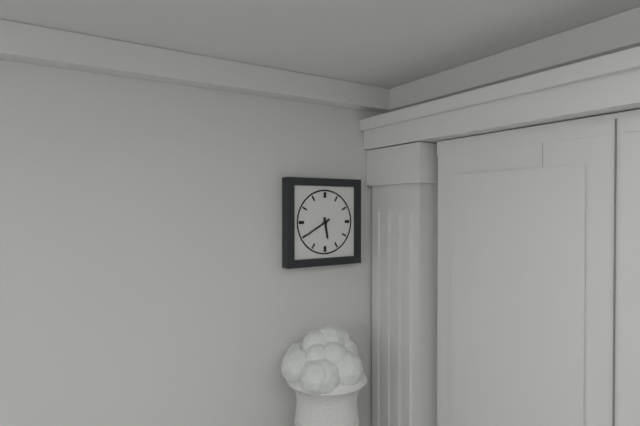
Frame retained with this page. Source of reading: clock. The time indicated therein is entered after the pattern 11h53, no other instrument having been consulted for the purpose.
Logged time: 5h40
